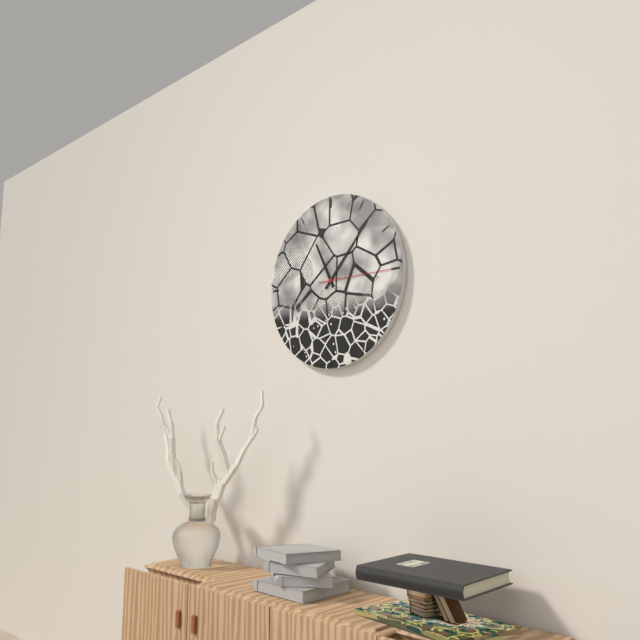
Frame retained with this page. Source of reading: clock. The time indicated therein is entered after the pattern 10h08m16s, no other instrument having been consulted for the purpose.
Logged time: 11h07m15s
